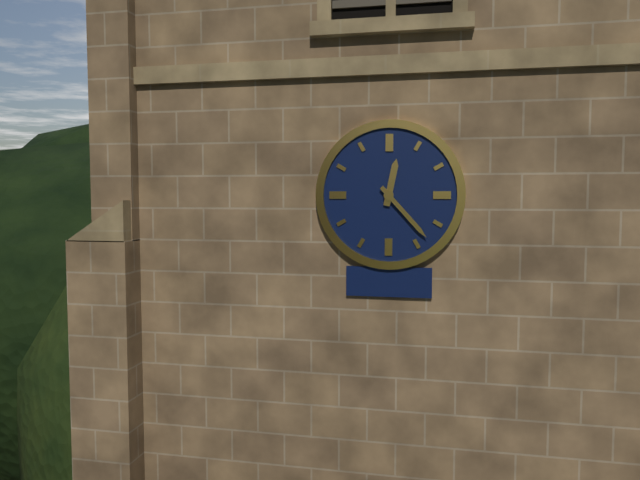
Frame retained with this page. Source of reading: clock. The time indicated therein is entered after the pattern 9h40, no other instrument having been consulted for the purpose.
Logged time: 12h23
